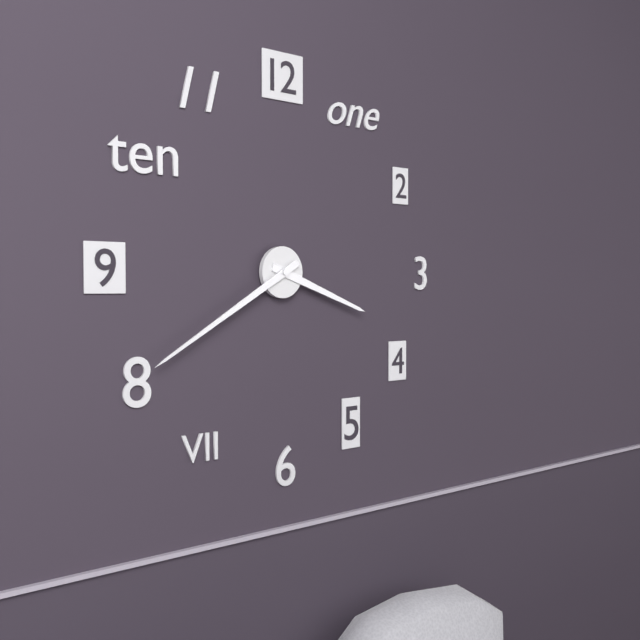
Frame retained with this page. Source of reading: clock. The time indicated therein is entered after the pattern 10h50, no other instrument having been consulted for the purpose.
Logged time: 3h40
